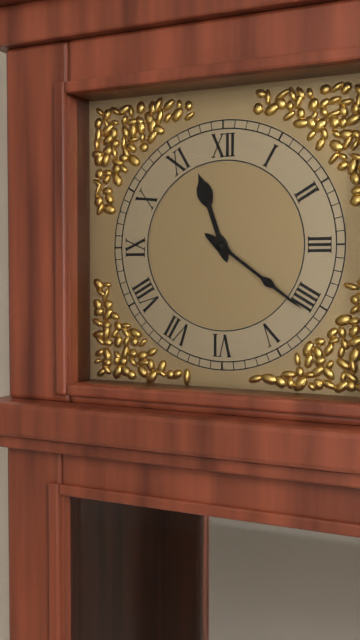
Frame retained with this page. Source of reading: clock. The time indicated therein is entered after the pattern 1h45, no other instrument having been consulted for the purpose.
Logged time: 11h21
